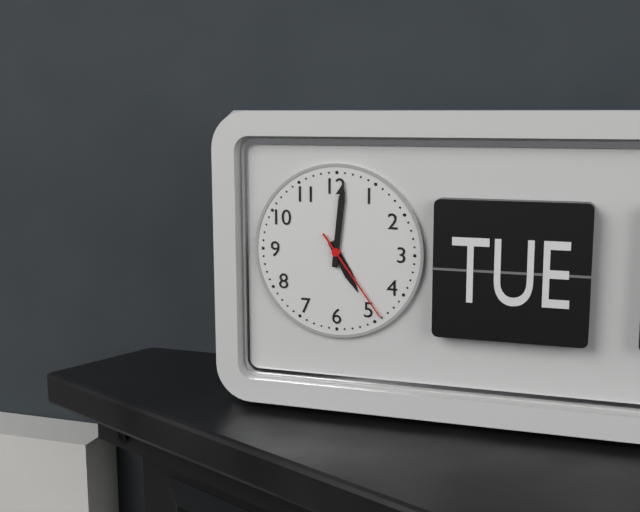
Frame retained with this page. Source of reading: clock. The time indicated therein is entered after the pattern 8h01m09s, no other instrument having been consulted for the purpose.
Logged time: 5h01m24s
